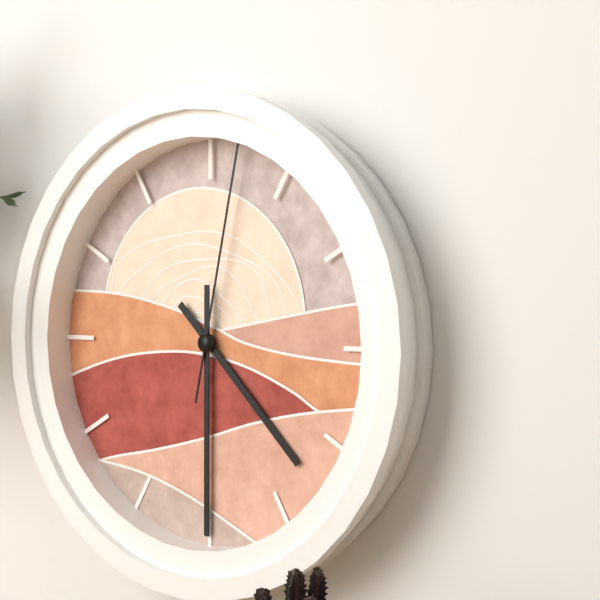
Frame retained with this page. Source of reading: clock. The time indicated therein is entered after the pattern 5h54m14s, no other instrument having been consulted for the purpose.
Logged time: 4h30m02s
